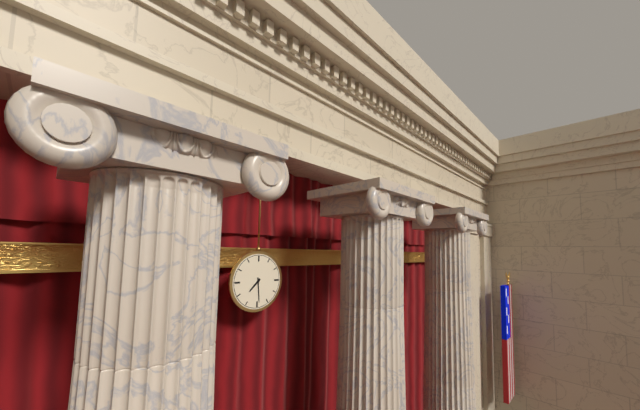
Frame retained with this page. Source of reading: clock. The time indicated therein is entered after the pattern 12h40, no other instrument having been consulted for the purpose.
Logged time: 7h29
